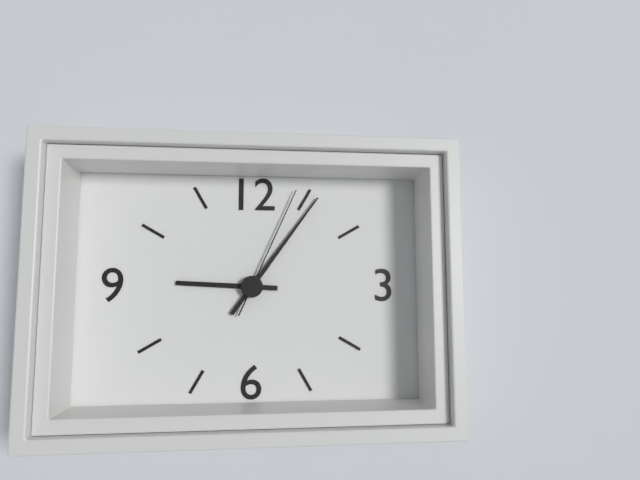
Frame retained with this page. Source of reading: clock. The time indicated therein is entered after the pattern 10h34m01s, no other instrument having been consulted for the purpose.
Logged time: 9h06m04s
